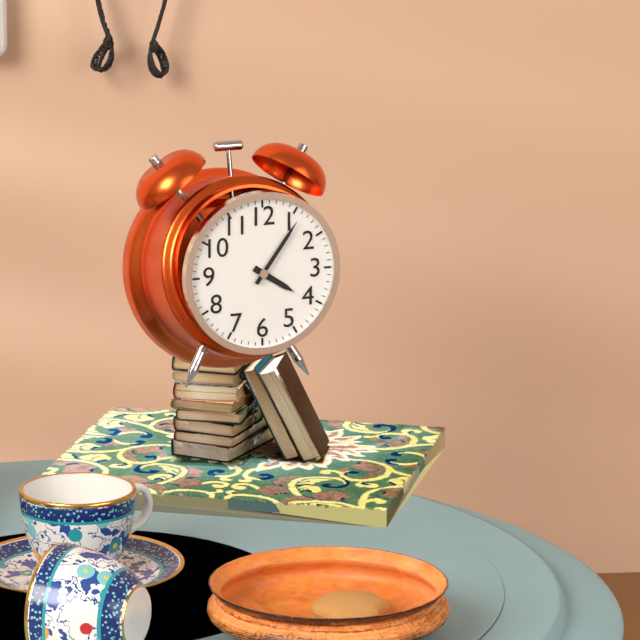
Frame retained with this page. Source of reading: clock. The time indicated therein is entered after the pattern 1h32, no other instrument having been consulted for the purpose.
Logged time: 4h06
